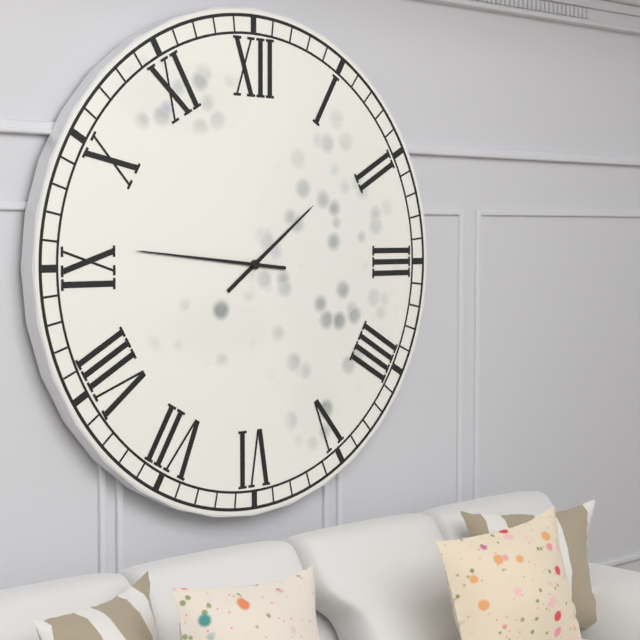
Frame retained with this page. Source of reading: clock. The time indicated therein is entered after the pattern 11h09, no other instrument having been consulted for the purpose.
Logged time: 1h46
